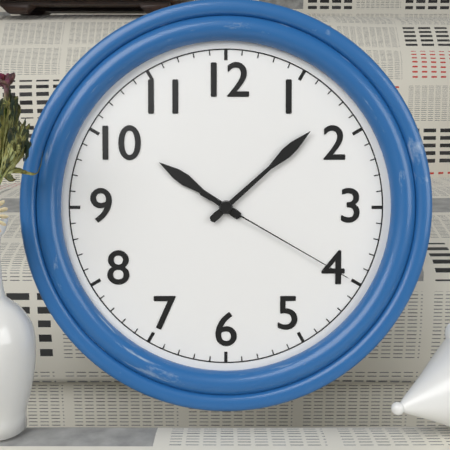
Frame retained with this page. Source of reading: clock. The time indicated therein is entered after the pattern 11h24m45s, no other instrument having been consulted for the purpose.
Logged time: 10h08m20s
